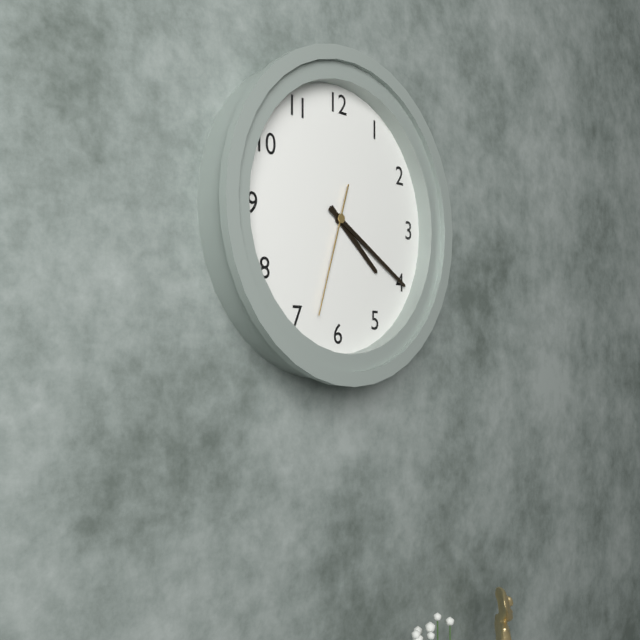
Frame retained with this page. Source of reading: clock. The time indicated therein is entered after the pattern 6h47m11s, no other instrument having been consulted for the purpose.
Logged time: 4h20m33s
